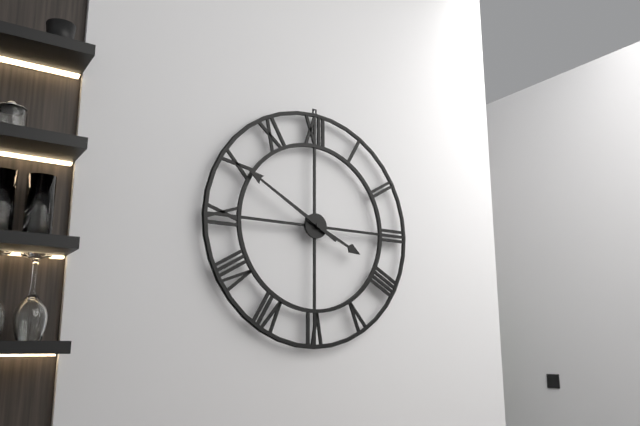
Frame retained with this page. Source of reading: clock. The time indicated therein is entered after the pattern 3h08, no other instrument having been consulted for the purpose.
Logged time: 3h50
